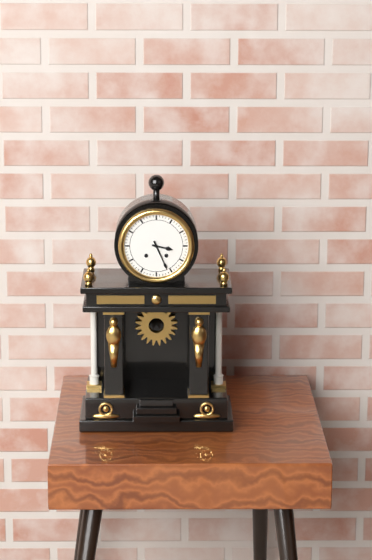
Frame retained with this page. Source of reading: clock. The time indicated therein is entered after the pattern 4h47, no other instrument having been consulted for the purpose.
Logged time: 3h26
